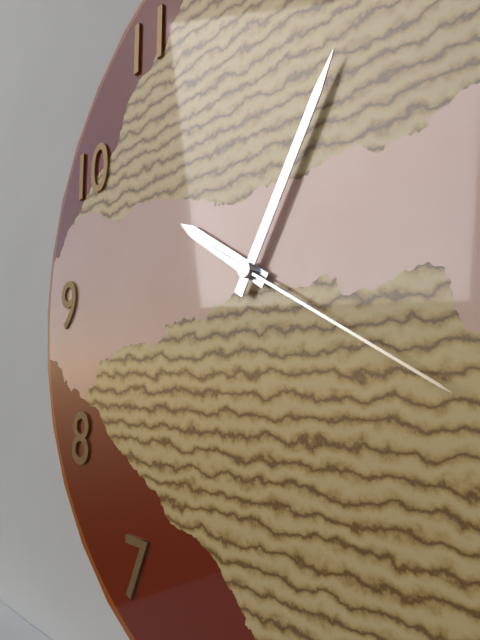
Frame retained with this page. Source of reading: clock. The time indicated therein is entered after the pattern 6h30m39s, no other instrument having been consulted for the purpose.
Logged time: 10h05m20s
